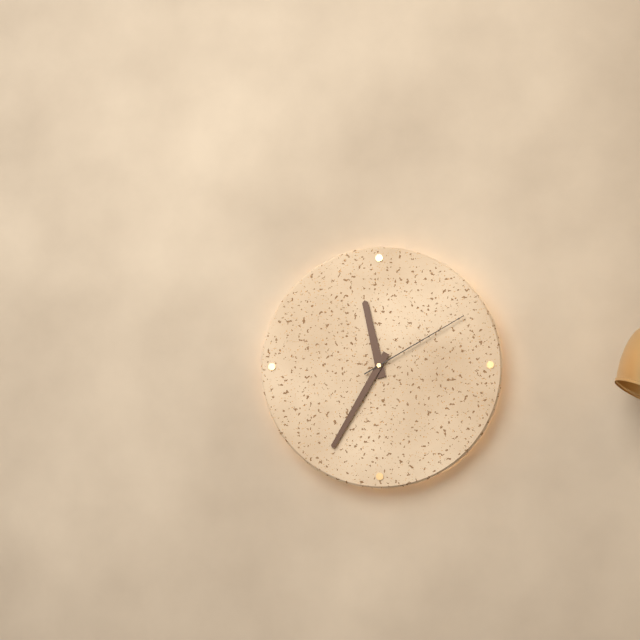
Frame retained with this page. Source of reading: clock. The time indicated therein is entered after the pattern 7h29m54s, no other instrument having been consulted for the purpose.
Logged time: 11h35m10s
